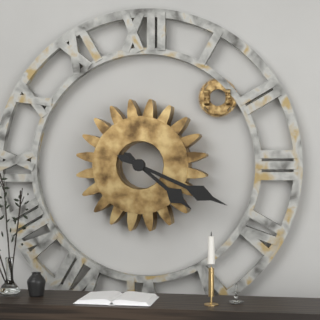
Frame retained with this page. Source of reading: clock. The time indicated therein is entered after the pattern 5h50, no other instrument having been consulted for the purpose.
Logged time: 4h19
